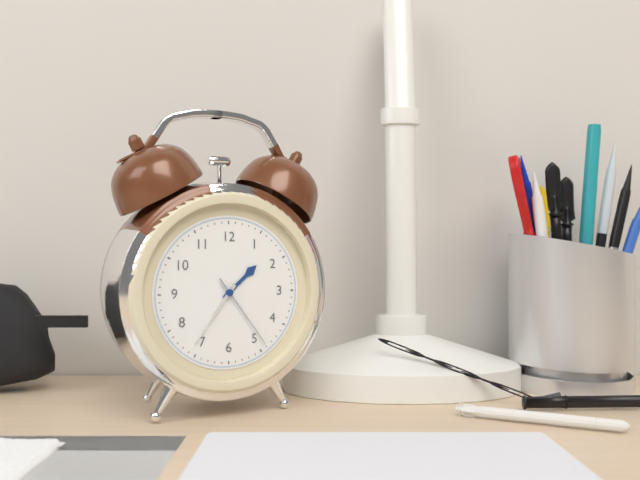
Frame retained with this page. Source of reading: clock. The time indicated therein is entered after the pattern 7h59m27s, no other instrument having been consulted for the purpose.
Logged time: 1h36m24s
